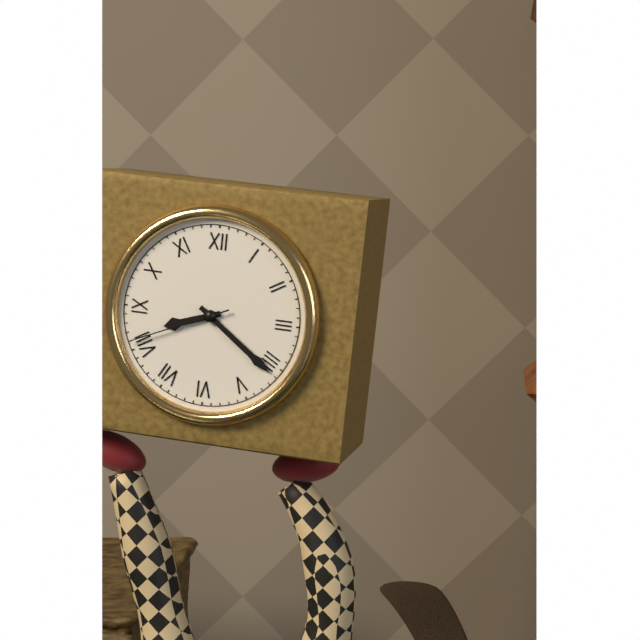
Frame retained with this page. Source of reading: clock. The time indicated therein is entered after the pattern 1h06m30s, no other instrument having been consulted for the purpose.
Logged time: 8h21m41s
